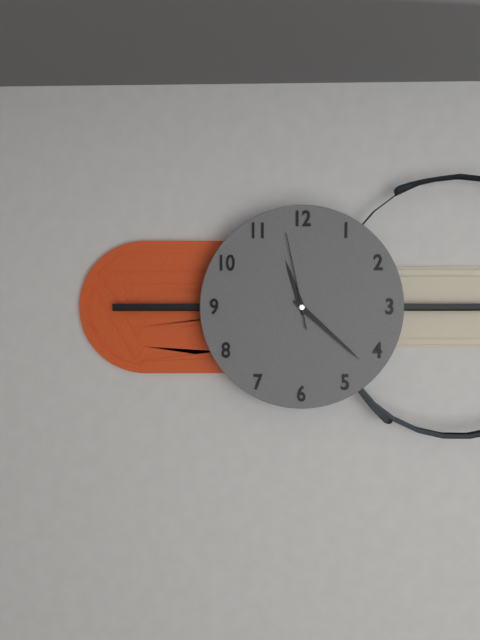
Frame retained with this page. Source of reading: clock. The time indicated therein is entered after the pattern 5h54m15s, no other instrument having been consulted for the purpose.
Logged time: 11h22m58s
